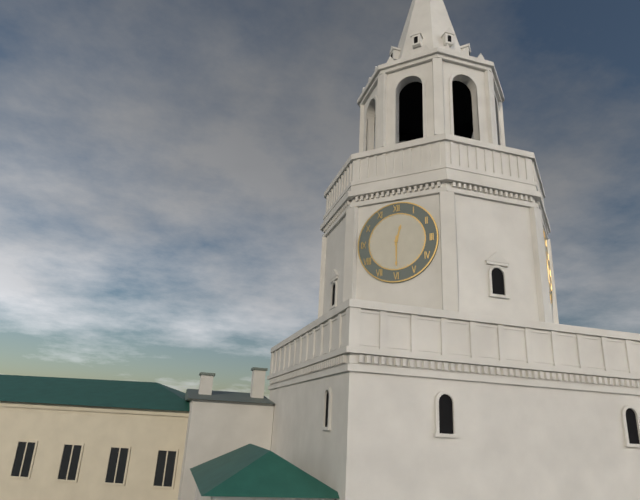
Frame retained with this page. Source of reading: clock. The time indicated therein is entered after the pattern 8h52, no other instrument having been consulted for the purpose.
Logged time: 12h30
